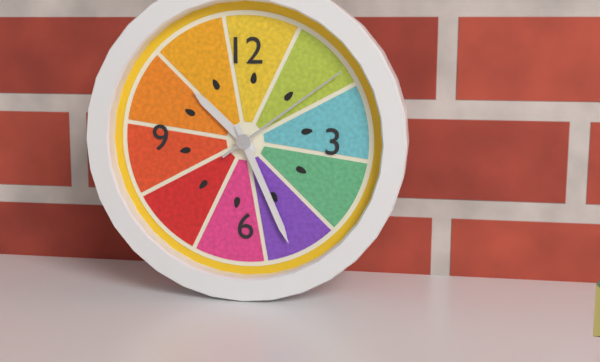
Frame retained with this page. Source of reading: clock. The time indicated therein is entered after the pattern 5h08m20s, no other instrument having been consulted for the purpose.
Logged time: 10h26m09s
